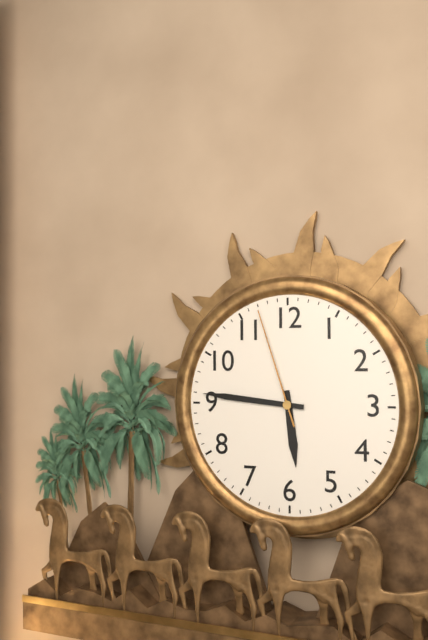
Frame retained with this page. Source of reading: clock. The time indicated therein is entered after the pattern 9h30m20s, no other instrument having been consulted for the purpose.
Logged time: 5h46m57s
